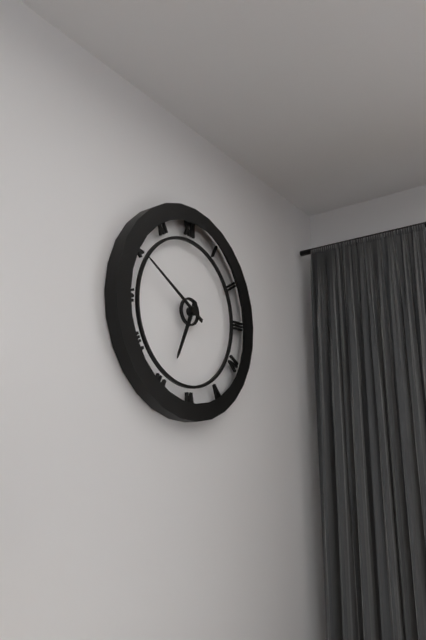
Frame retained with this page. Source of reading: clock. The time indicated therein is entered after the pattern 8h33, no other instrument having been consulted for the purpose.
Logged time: 6h50
